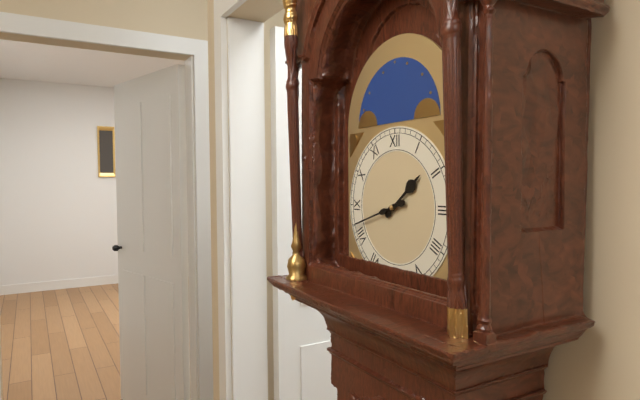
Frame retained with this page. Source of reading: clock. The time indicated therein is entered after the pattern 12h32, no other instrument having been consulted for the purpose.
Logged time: 1h42
